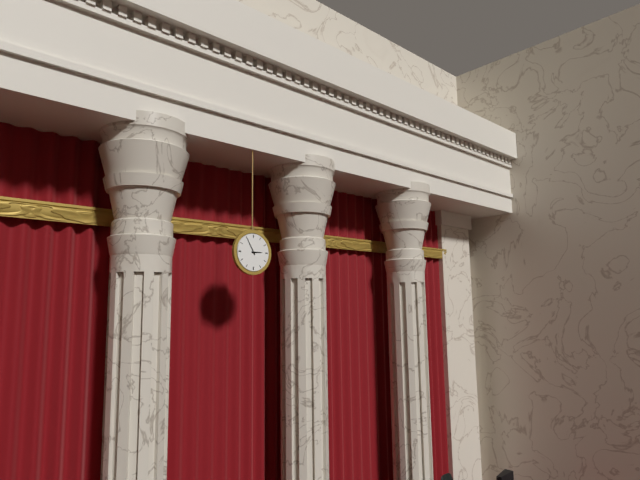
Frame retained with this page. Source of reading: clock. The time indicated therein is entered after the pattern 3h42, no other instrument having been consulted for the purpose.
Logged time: 2h55
